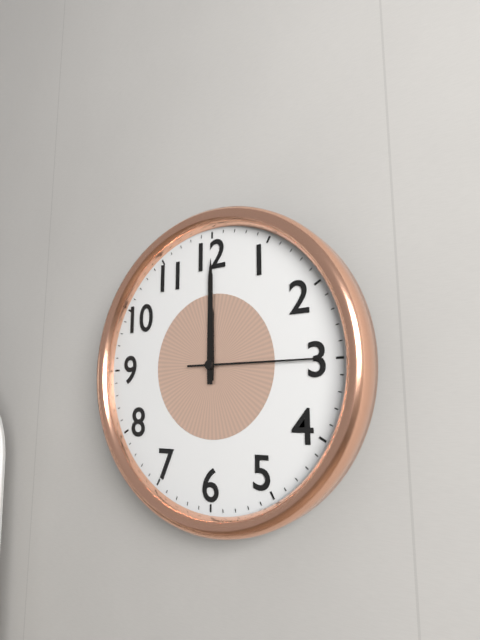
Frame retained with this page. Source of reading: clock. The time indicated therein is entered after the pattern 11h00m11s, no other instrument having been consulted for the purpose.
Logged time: 12h00m15s
